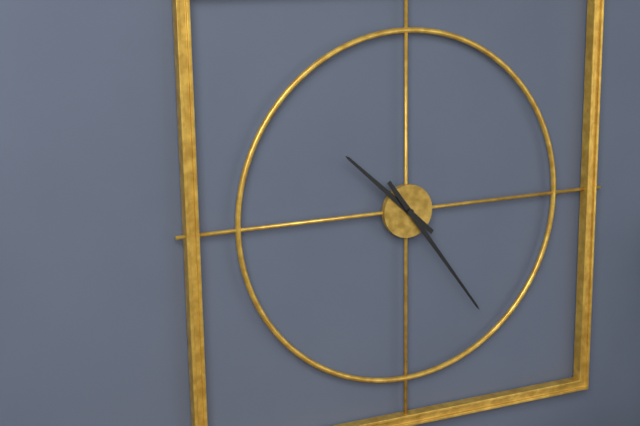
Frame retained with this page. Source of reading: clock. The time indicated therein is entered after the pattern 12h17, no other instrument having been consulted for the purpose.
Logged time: 10h24
